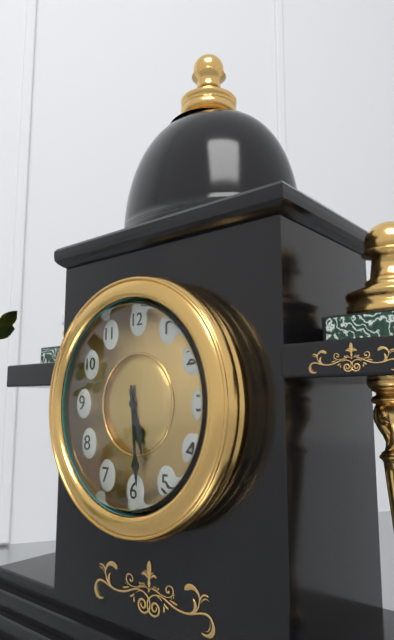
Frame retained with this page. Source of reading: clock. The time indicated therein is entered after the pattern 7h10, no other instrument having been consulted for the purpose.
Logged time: 5h29
